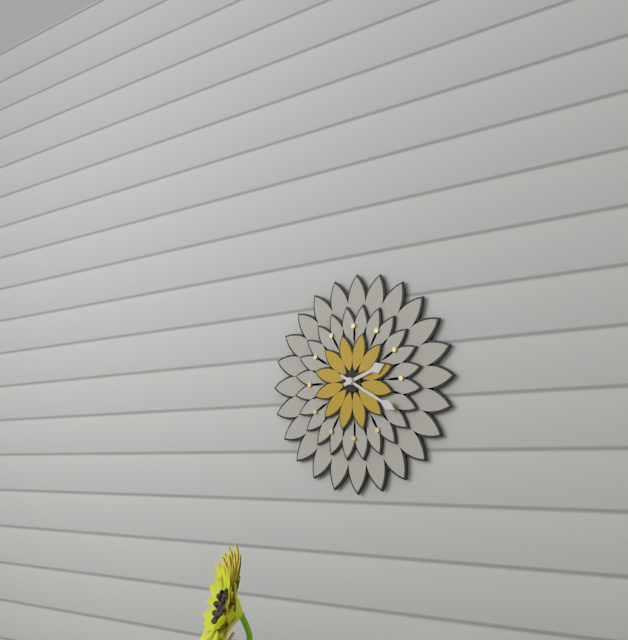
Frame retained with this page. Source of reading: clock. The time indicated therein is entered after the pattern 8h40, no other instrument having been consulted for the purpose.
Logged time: 2h20
